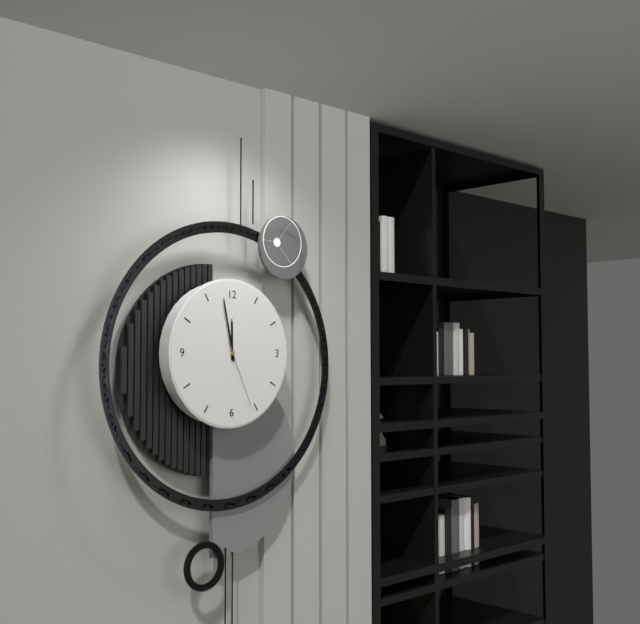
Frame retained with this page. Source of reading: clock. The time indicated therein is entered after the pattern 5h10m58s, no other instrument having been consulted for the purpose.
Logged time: 11h58m26s
